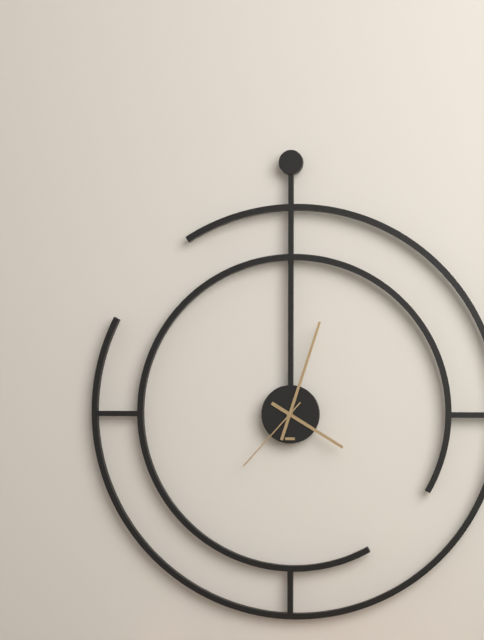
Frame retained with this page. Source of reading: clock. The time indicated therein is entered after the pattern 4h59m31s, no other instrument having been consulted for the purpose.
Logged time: 4h03m37s
